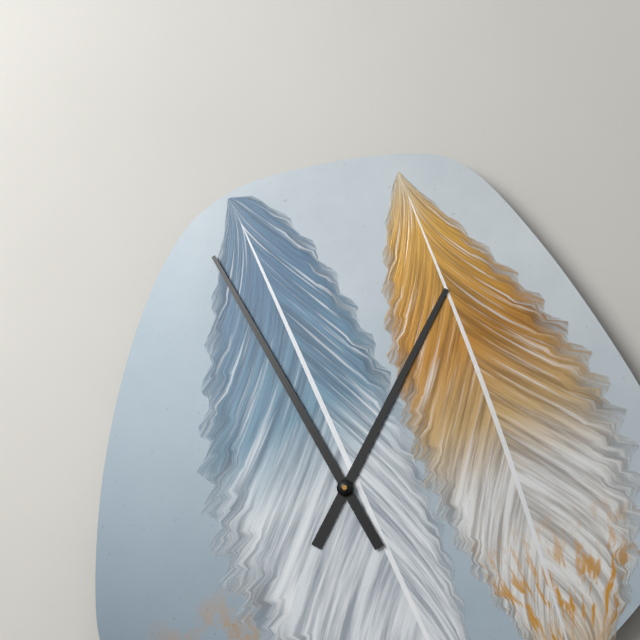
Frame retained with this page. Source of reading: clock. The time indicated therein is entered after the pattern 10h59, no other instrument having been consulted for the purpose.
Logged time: 12h55
